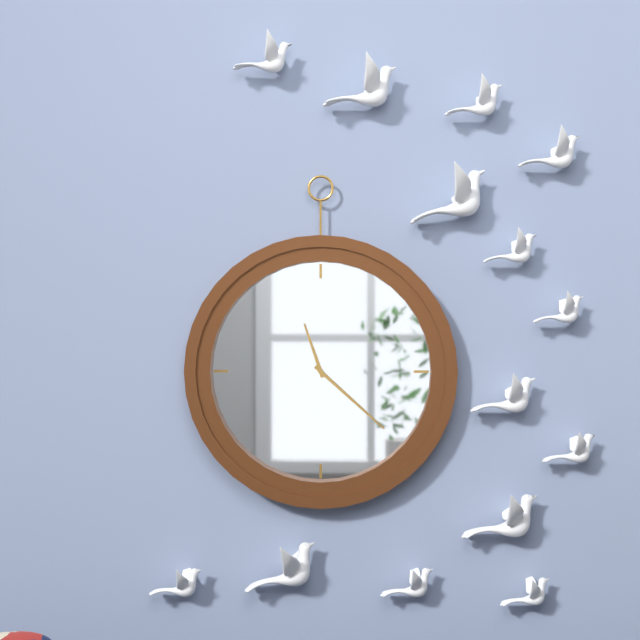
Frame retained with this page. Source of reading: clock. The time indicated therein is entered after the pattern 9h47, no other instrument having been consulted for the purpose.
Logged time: 11h22
